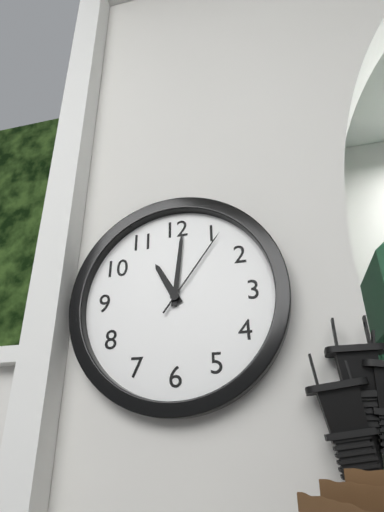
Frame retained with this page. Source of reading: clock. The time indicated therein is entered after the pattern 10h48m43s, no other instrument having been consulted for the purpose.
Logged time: 11h01m06s
